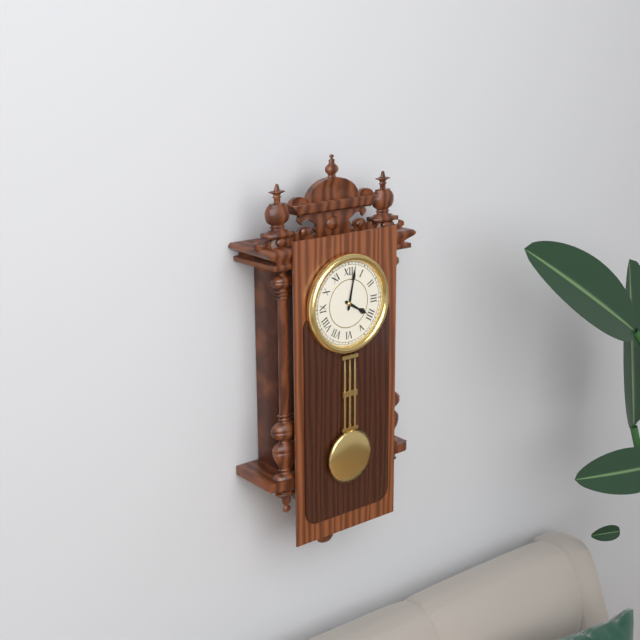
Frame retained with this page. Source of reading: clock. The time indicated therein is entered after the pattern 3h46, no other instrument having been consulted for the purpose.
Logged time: 4h02
